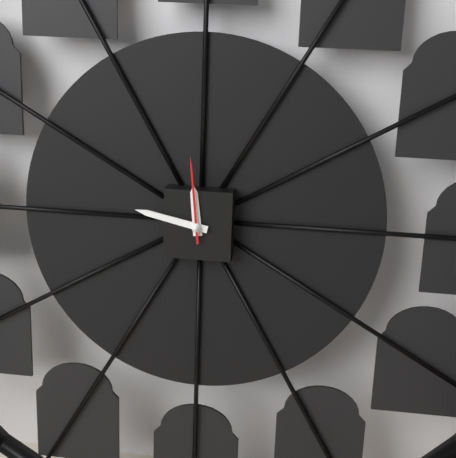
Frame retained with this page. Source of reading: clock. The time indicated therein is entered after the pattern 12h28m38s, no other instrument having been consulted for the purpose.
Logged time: 11h47m59s
